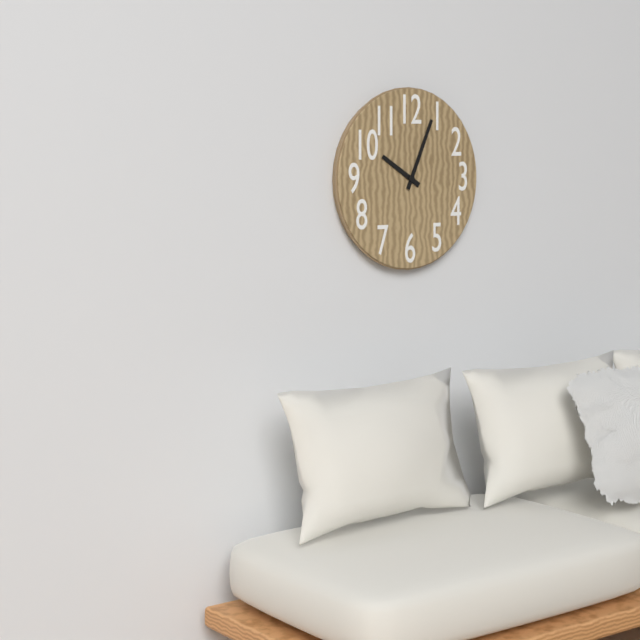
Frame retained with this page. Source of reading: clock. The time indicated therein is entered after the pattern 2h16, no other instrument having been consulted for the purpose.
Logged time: 10h04
